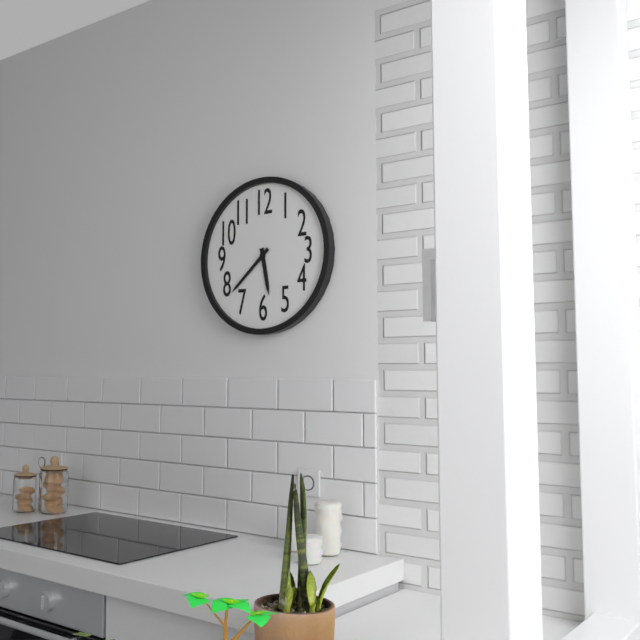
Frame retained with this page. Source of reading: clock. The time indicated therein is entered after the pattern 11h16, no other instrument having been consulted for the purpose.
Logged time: 5h38
